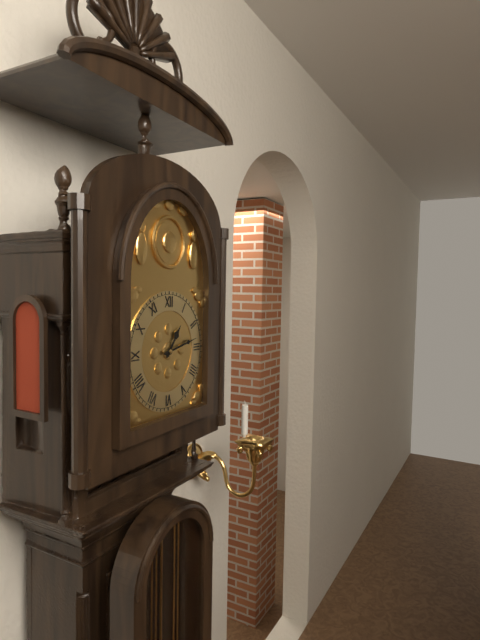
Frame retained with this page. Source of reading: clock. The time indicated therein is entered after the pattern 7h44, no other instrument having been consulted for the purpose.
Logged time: 1h13
